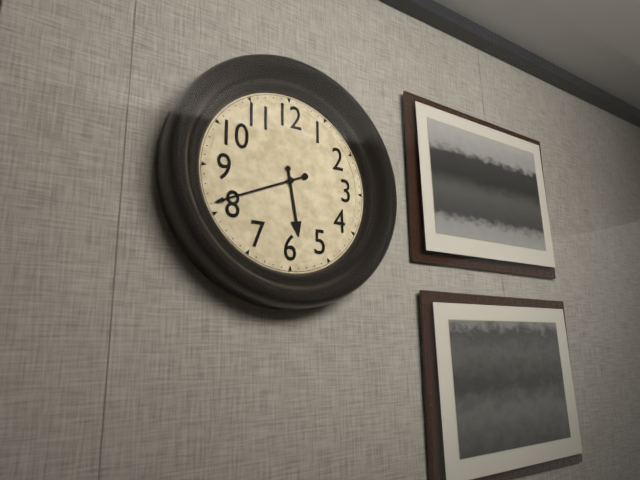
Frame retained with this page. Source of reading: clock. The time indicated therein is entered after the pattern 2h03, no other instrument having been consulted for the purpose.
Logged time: 5h41
